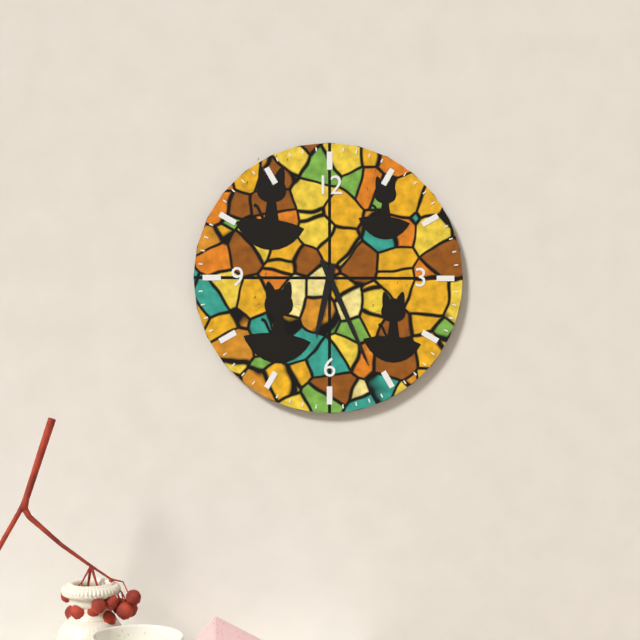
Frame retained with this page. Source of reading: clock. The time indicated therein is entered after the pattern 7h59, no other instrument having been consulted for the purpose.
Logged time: 6h26
